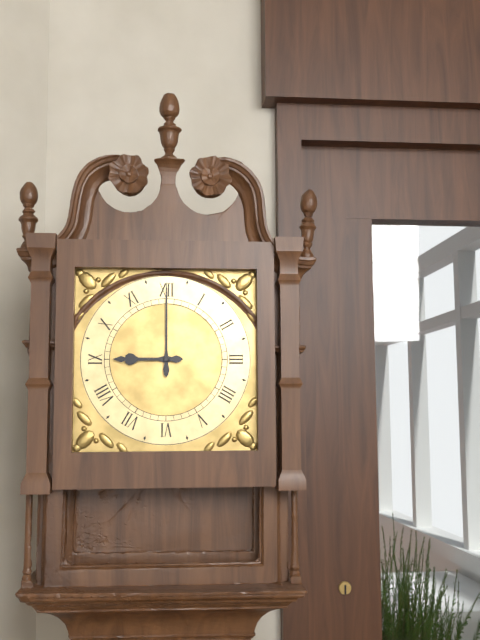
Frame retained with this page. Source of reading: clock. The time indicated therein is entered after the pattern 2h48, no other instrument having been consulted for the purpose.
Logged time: 9h00
